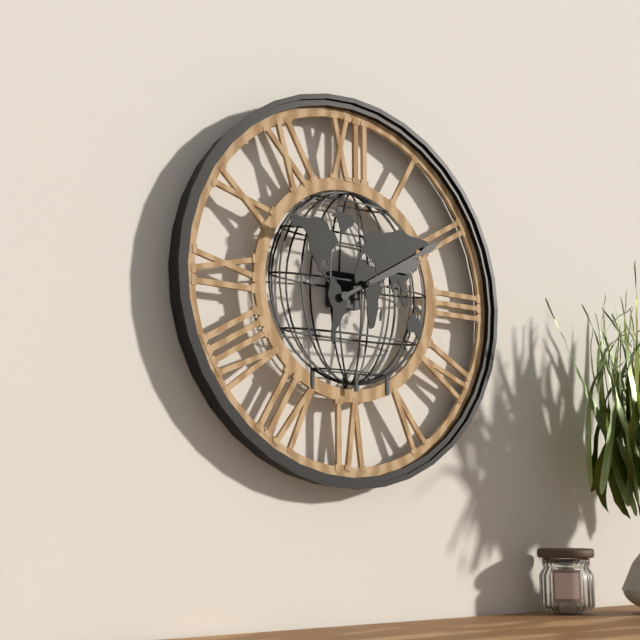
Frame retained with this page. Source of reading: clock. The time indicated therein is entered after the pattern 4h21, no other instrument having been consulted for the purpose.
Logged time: 2h10
